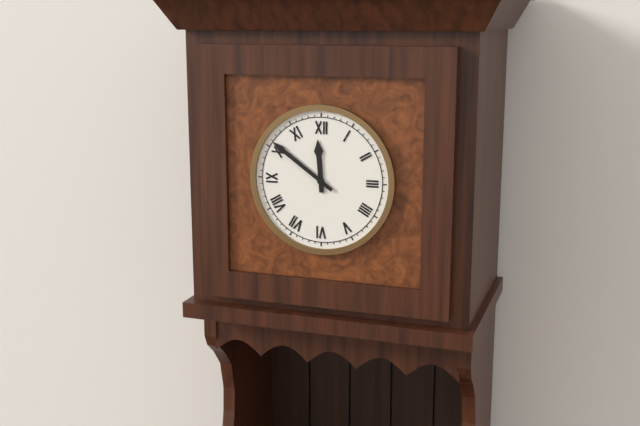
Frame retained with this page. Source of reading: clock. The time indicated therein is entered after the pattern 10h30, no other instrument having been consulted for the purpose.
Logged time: 11h51
